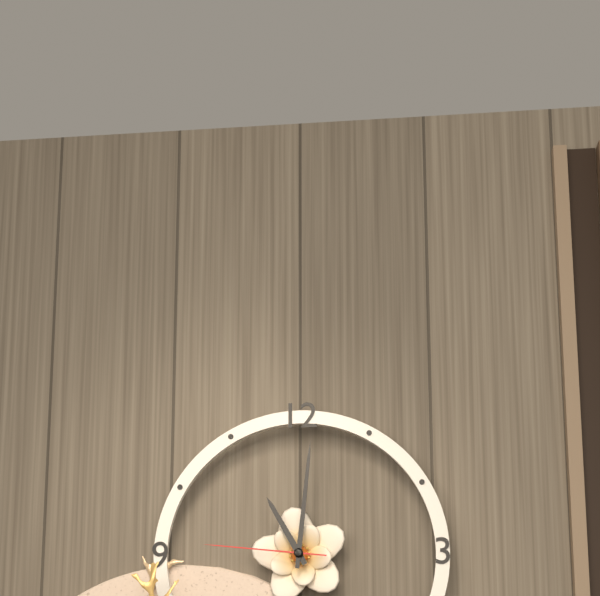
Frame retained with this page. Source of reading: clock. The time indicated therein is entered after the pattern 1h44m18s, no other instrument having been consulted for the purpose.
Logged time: 11h01m46s
